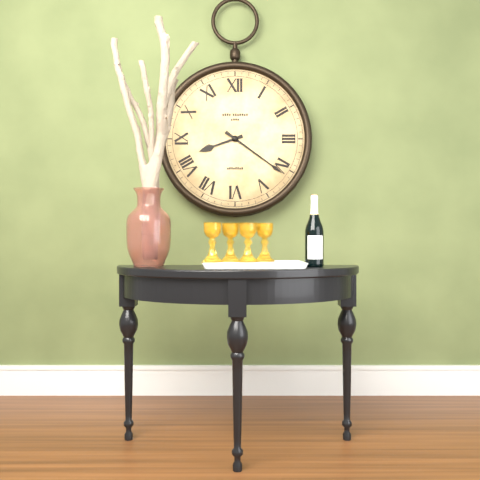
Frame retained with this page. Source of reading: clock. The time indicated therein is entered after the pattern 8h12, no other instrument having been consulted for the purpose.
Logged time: 8h21
